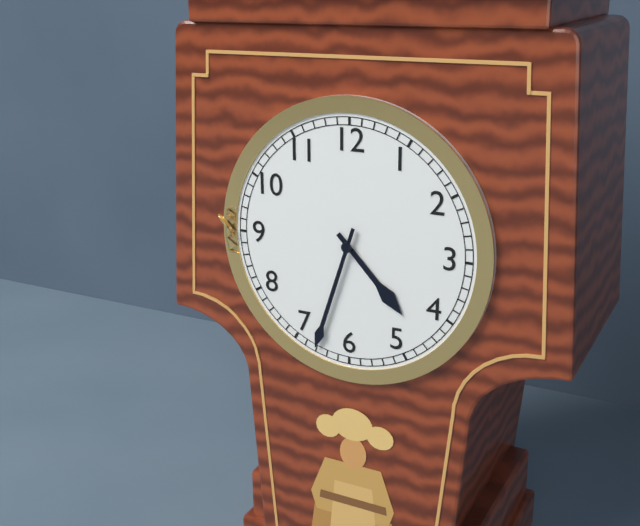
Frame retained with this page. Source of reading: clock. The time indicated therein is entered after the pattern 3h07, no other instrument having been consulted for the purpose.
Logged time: 4h33
